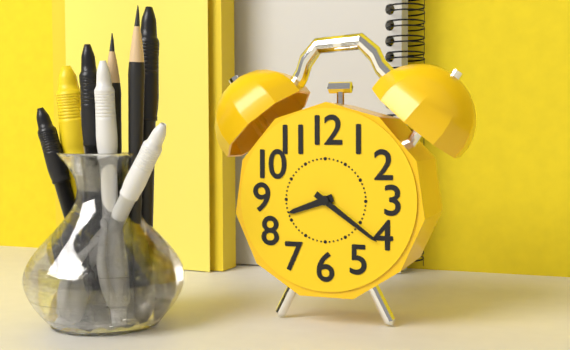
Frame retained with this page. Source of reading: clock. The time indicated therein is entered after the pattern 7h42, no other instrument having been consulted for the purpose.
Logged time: 8h21
